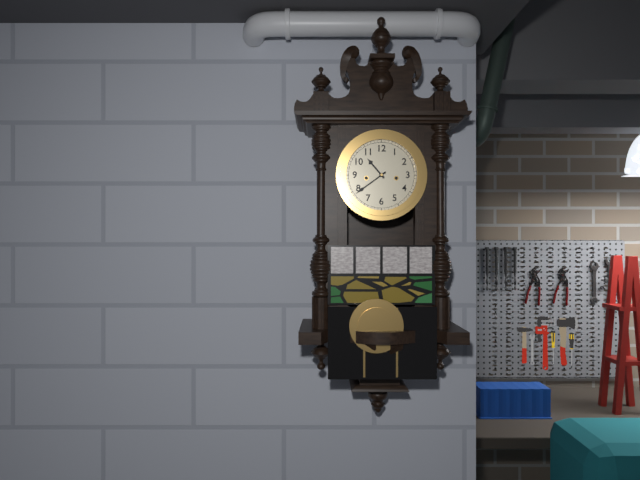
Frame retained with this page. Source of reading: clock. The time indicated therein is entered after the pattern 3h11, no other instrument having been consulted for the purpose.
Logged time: 10h39
